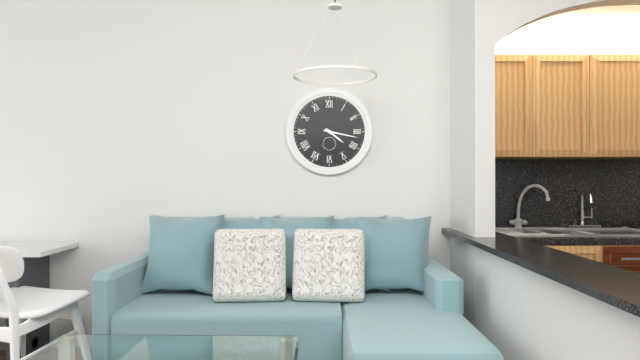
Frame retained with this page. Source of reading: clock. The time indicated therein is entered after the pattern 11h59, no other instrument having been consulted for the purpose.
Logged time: 4h17
